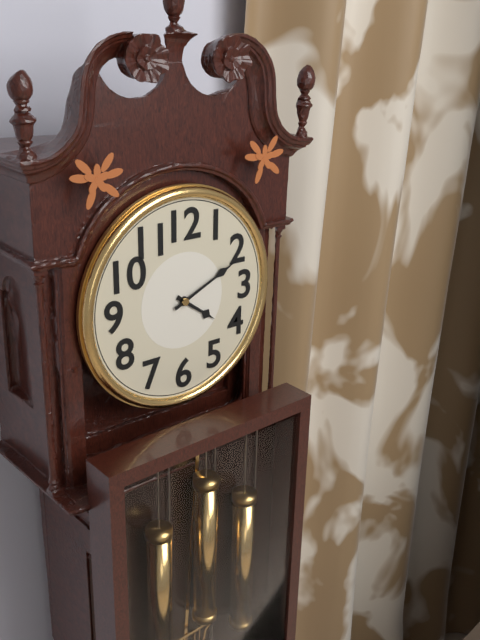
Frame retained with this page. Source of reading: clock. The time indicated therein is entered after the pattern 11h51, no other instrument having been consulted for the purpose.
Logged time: 4h11
